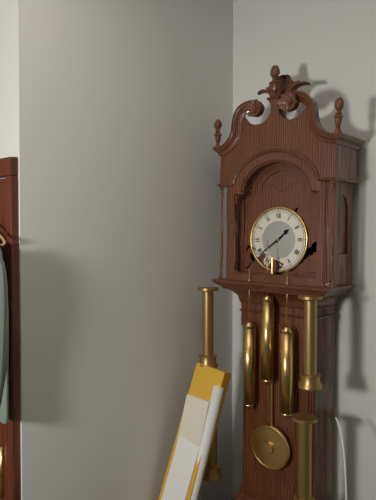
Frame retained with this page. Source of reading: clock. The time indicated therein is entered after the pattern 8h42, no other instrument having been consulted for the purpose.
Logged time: 1h39
